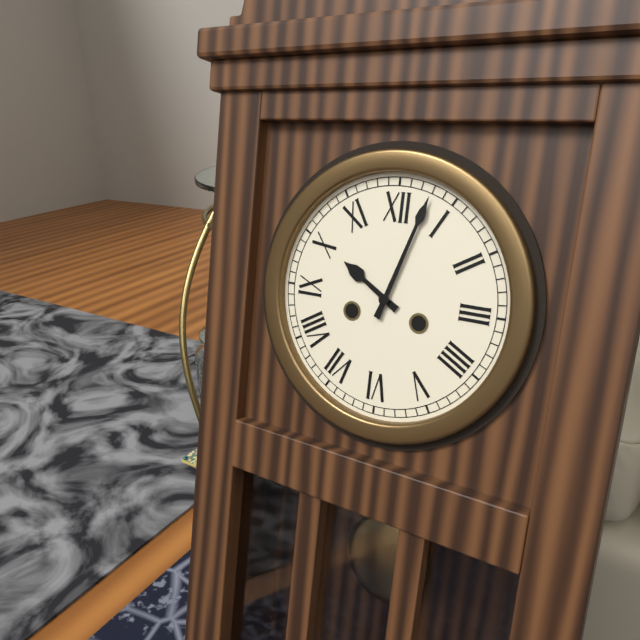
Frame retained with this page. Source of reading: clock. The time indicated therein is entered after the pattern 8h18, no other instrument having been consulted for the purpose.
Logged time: 10h03
